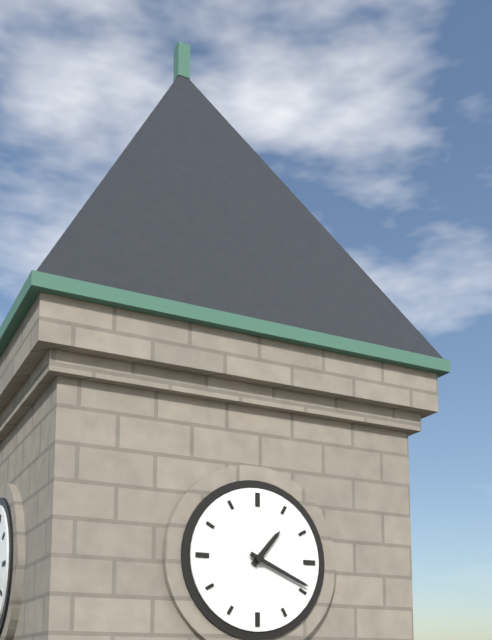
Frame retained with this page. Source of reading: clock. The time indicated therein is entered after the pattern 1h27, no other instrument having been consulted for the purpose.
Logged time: 1h19
